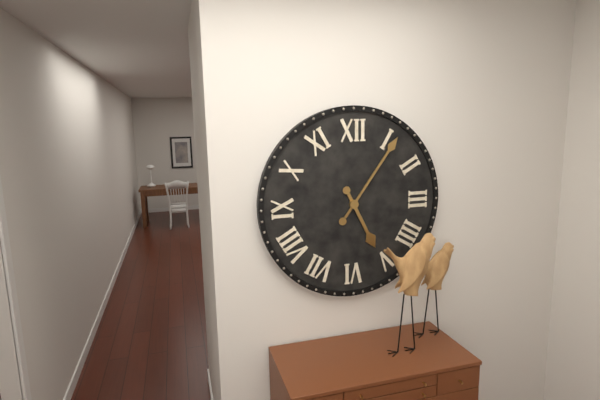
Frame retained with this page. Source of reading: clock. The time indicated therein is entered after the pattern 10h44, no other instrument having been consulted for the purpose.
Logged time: 5h06
